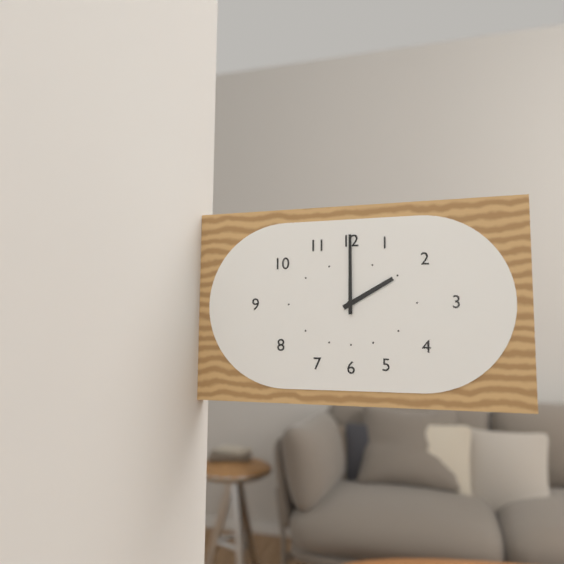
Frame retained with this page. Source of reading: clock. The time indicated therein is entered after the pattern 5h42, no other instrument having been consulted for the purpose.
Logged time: 2h00
